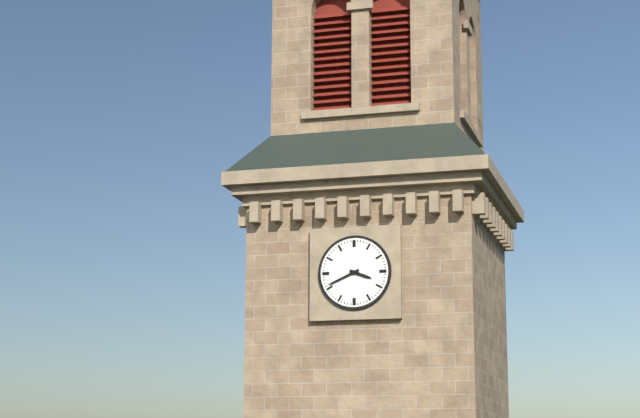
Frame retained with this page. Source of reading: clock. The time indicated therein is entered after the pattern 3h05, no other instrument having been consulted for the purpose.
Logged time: 3h41
